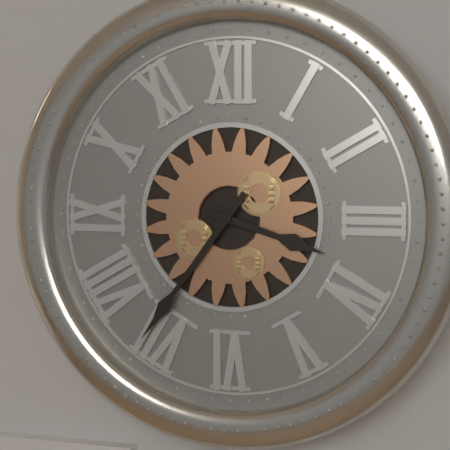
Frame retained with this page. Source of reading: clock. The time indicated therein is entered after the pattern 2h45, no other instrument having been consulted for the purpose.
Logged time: 3h36
